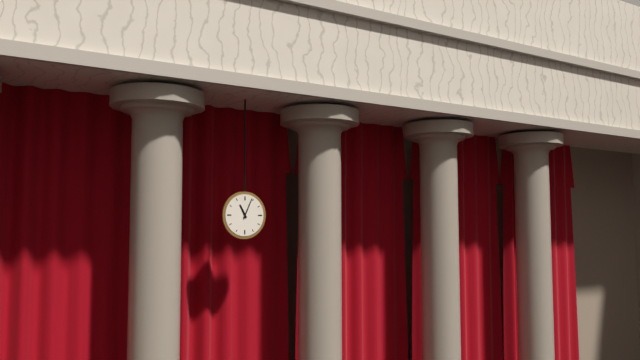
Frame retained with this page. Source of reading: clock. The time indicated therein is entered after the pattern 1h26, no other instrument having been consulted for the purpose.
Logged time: 11h04
